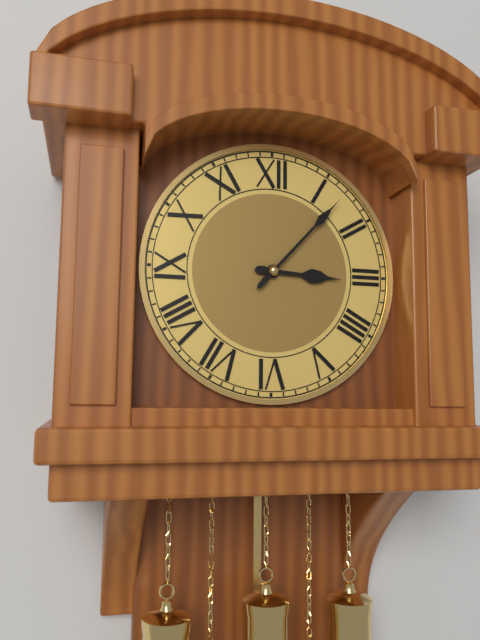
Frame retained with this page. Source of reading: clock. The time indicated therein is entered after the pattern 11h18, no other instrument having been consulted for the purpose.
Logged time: 3h07
